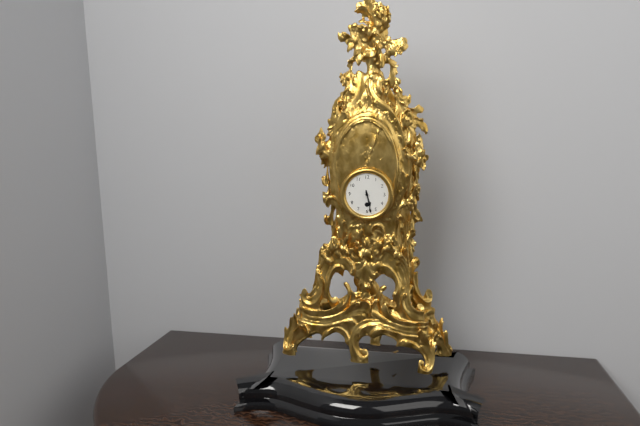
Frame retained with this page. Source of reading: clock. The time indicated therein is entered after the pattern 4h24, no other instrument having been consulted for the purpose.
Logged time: 5h28
